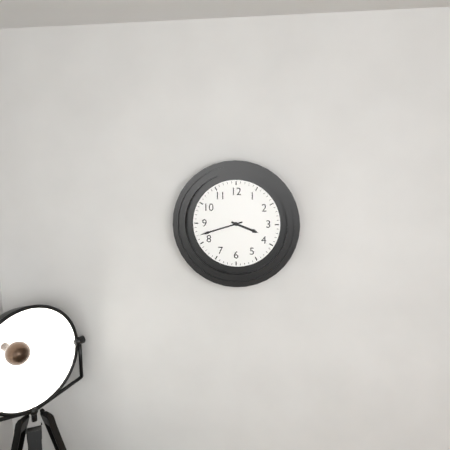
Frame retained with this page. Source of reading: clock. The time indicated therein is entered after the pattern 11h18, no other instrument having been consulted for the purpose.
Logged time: 3h42
